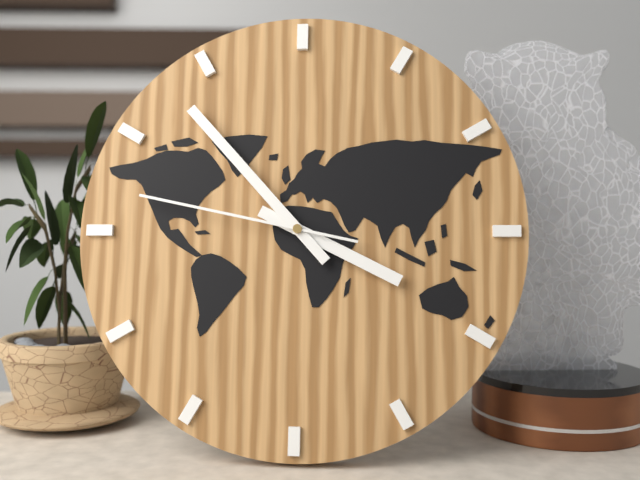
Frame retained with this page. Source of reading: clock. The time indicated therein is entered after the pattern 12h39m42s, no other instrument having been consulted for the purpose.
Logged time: 3h53m47s
